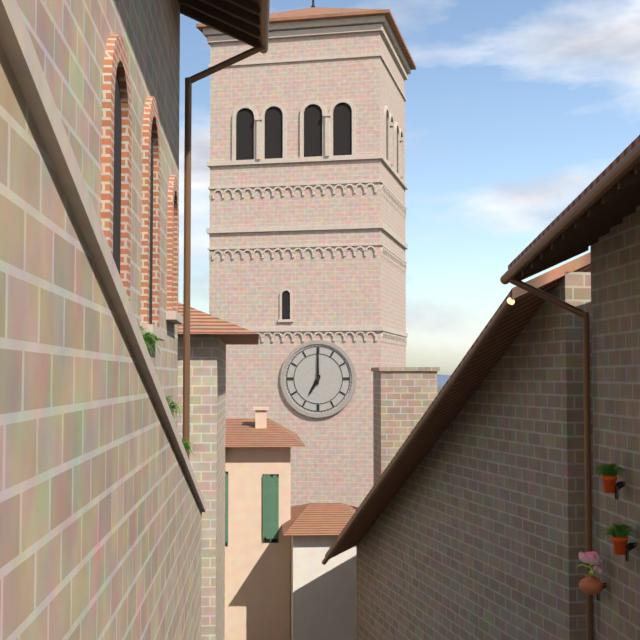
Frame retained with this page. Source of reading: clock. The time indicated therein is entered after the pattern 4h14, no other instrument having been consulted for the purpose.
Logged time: 7h00
